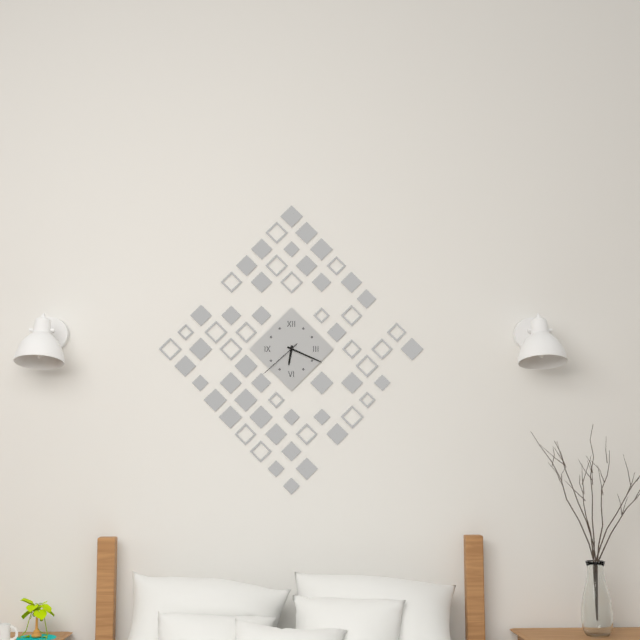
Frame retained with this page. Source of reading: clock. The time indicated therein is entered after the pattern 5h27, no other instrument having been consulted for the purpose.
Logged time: 6h19
